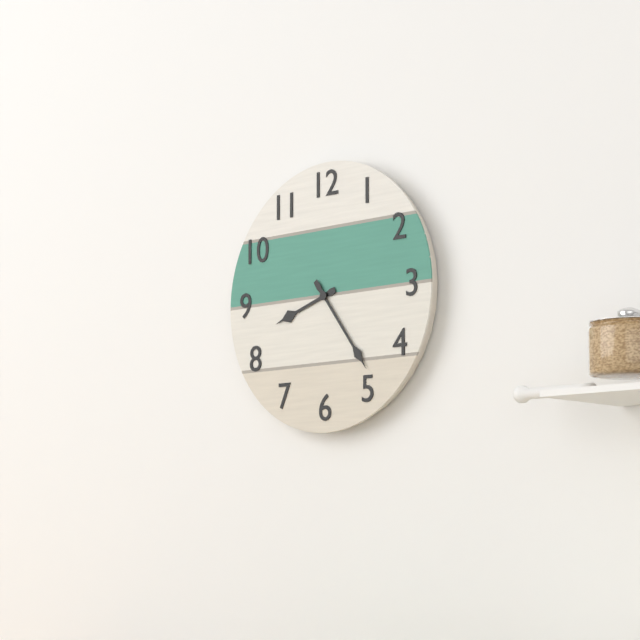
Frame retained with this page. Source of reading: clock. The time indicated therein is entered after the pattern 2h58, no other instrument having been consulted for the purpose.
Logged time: 8h24
